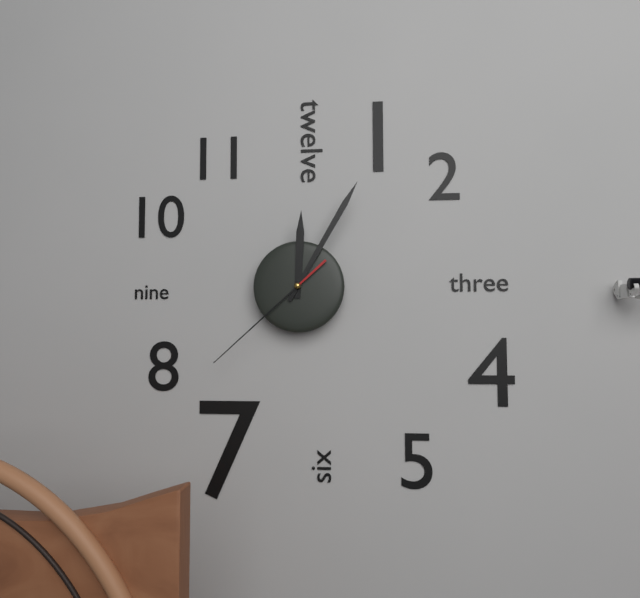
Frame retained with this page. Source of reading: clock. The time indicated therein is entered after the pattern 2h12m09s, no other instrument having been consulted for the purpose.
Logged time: 12h05m38s
